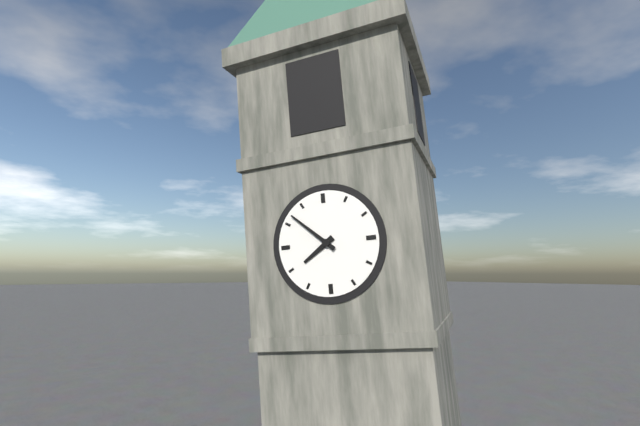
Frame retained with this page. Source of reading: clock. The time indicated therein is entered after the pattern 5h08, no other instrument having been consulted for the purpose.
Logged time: 7h52
